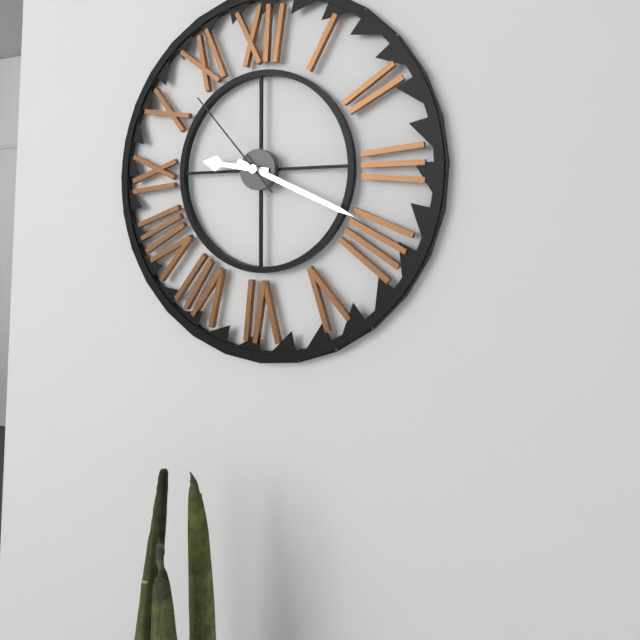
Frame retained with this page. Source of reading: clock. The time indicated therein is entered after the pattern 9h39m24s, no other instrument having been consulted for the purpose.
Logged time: 9h19m53s
